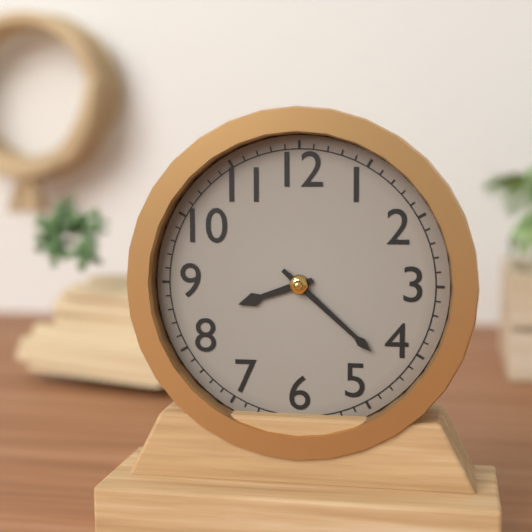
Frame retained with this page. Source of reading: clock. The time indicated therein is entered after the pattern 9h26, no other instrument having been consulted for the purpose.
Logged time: 8h22
